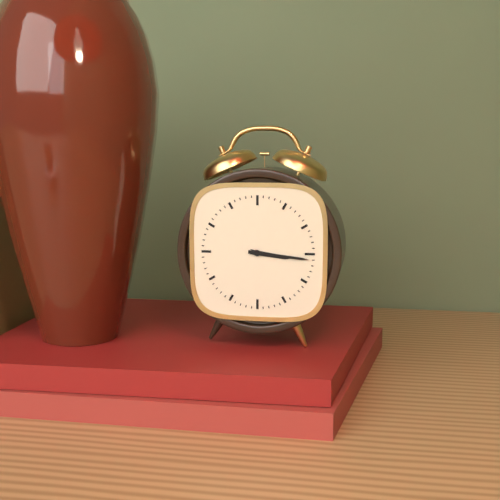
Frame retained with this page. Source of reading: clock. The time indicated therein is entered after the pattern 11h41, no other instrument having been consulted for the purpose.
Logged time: 3h16
